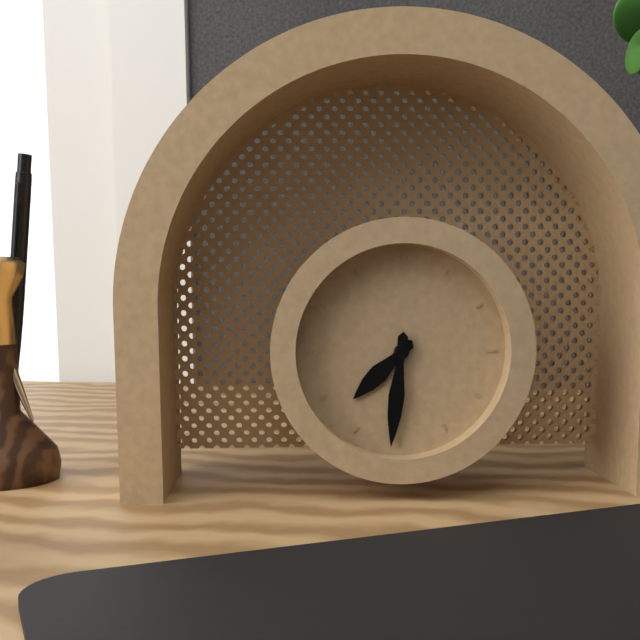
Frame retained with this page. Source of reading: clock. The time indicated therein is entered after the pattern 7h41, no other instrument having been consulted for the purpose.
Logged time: 7h31
